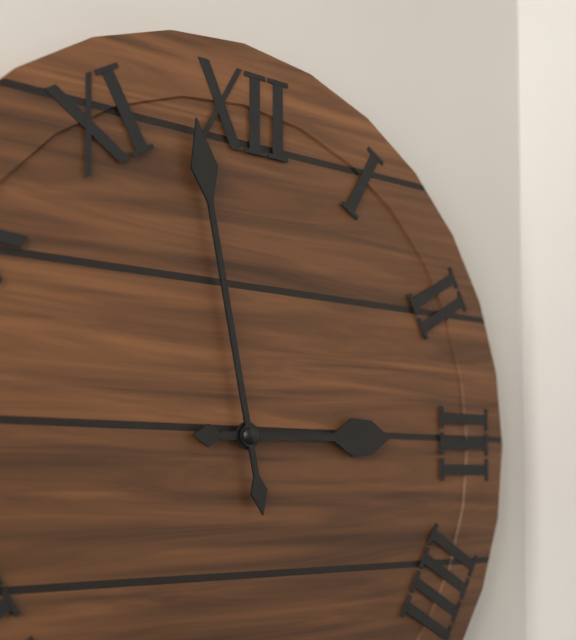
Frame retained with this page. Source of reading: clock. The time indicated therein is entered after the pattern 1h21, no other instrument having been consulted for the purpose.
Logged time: 2h58
